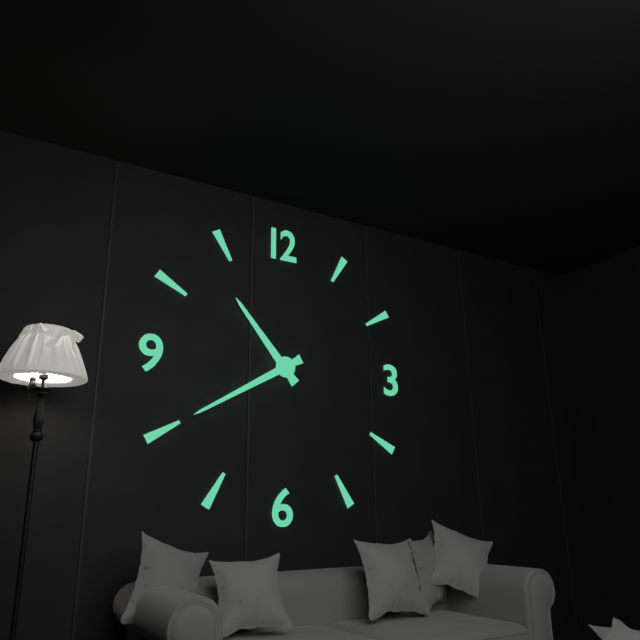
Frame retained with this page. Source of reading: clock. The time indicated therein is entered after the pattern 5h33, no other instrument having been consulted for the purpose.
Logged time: 10h40
